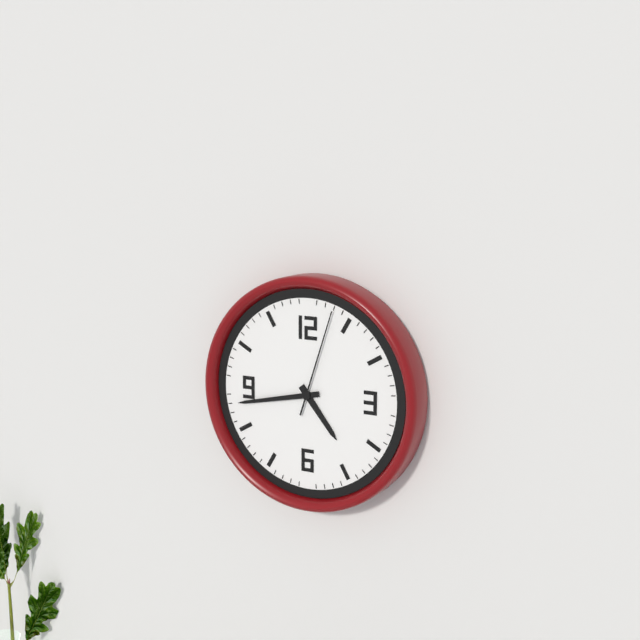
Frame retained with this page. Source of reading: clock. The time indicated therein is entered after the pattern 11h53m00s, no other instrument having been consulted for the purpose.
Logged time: 4h43m03s
